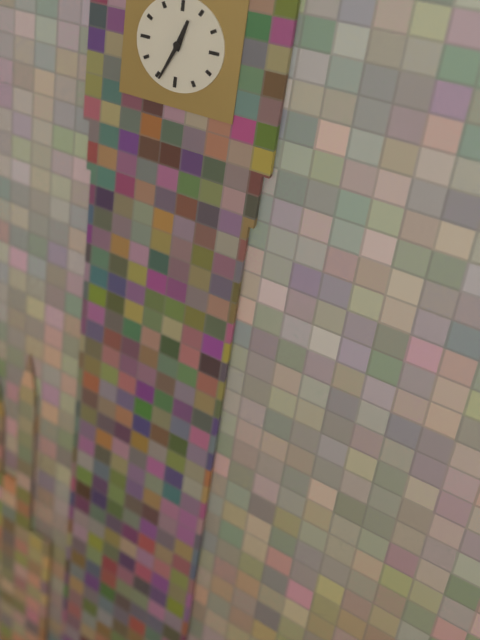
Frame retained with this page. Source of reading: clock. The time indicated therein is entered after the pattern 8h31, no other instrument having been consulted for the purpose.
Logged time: 12h34
